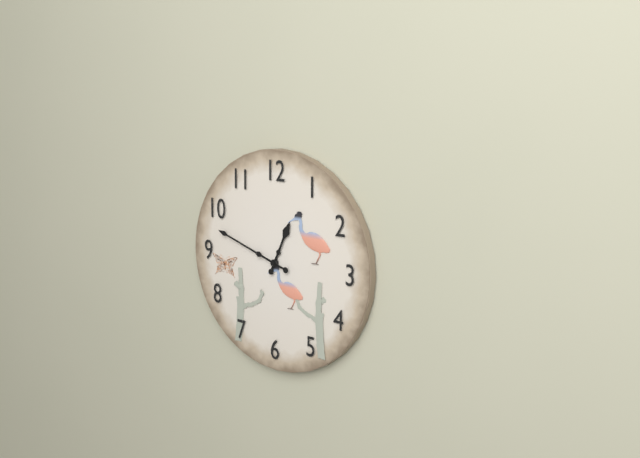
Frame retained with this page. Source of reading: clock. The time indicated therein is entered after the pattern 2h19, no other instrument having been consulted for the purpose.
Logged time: 12h48
